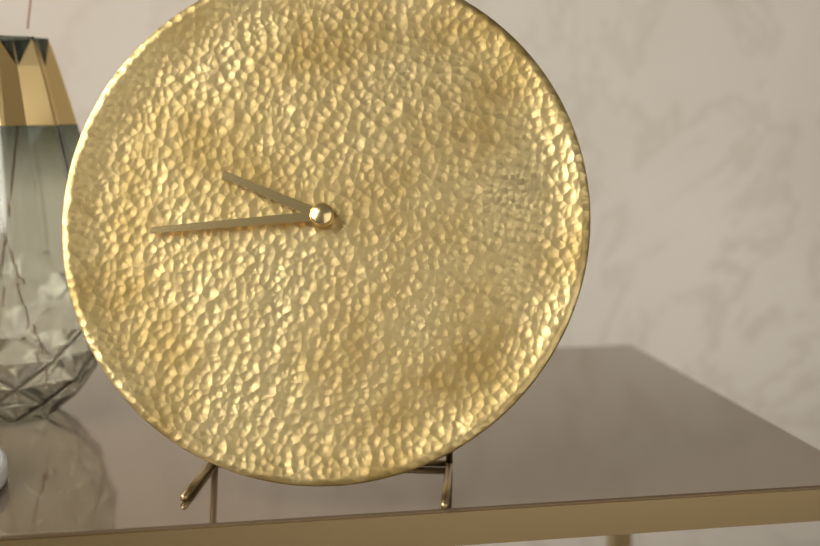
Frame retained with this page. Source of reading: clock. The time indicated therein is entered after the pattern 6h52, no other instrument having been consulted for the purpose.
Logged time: 9h44
